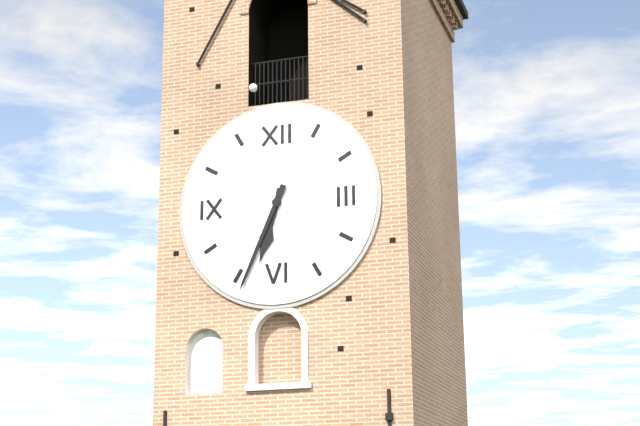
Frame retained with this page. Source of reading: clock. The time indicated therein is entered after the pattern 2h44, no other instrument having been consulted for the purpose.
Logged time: 6h34
